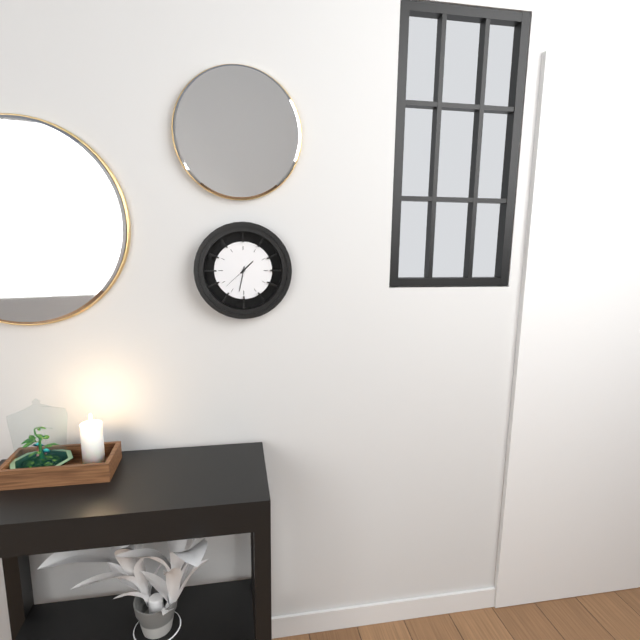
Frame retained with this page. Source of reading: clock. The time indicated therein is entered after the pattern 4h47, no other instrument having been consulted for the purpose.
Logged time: 1h32
